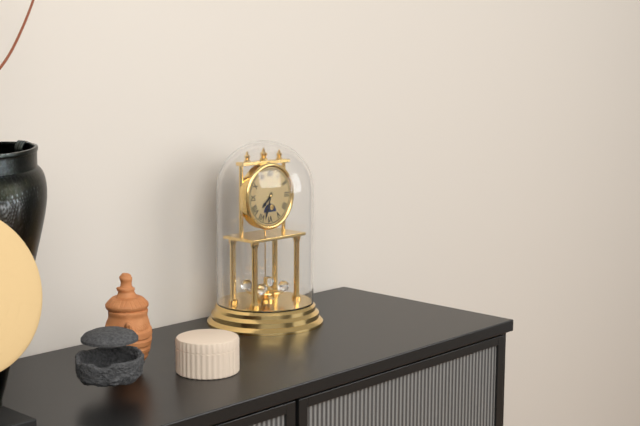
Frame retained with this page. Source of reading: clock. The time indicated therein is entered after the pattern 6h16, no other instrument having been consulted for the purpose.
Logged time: 7h33
